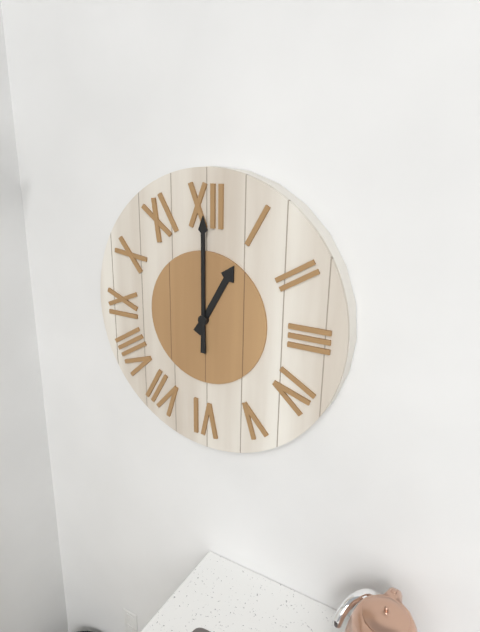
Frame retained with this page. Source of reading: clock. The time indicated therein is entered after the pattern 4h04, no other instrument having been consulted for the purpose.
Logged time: 1h00
